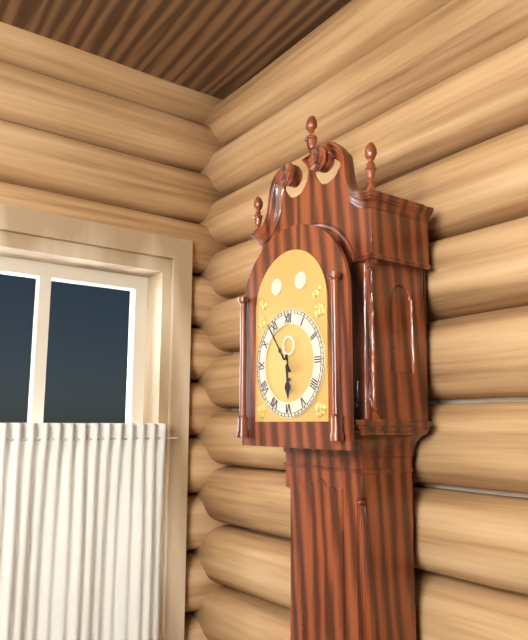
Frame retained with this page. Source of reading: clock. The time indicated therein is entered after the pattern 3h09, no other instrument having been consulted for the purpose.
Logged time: 5h54
